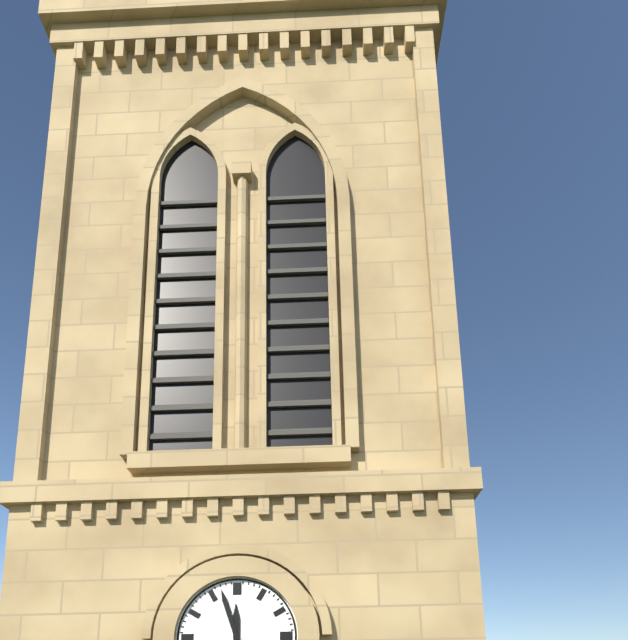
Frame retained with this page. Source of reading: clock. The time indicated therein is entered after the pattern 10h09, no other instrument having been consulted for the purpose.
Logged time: 11h57
